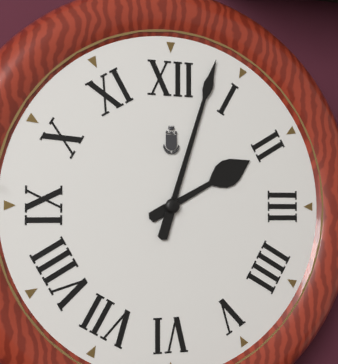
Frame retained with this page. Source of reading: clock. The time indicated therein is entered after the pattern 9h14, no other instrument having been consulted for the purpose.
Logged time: 2h03
